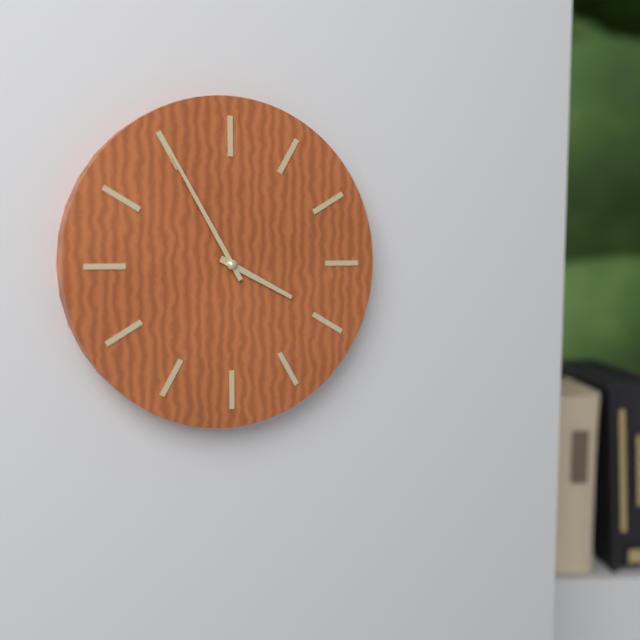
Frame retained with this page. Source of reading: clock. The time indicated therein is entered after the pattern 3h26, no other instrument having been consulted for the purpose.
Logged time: 3h55
